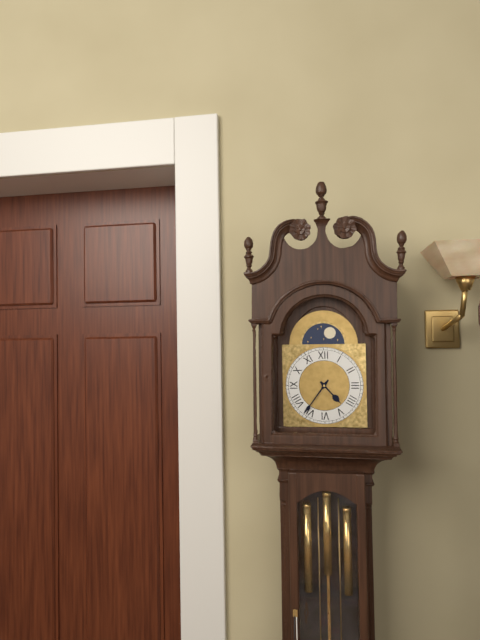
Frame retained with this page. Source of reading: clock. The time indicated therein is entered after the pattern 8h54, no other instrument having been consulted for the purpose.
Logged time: 4h36
